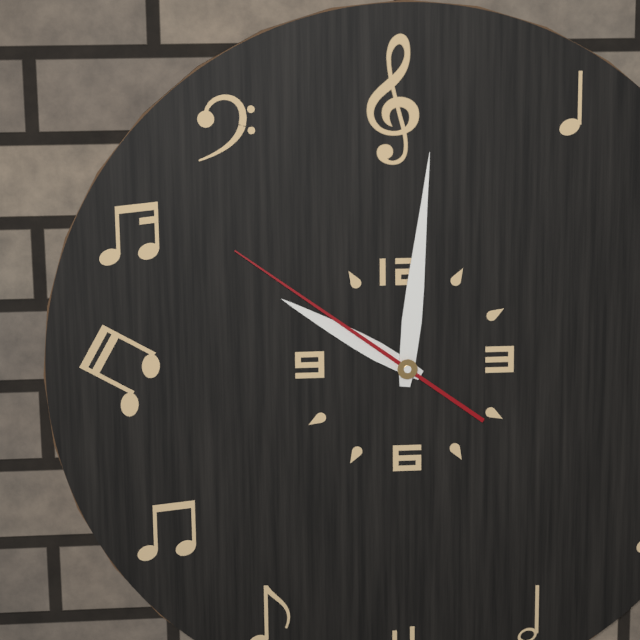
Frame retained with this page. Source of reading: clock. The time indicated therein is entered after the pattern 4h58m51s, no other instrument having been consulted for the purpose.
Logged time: 10h01m51s
